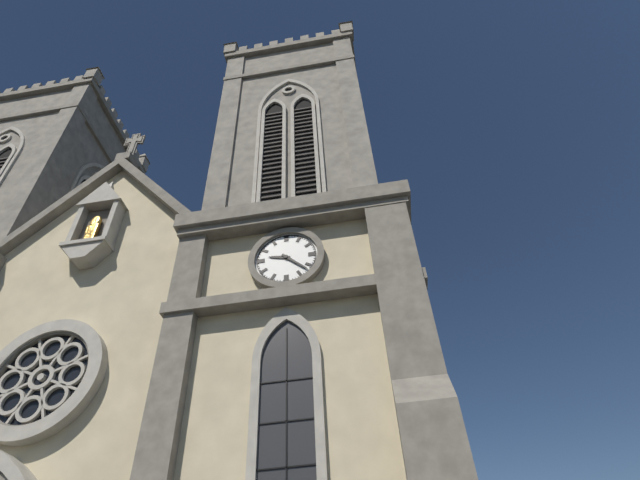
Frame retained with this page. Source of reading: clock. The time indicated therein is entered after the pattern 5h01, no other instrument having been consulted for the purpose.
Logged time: 9h22
